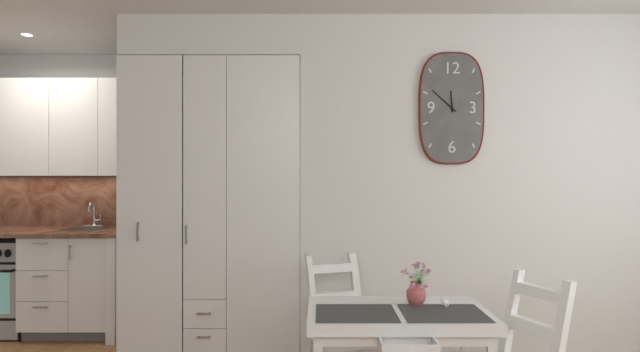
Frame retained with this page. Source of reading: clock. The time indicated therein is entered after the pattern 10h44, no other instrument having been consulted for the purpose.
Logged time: 11h52
